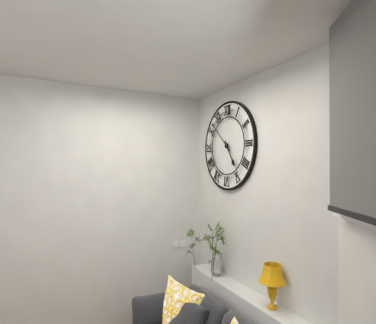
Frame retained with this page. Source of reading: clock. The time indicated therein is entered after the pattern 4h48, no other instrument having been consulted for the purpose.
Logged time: 4h52
